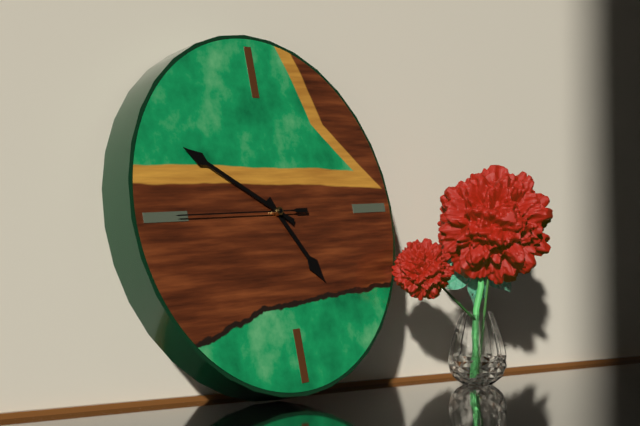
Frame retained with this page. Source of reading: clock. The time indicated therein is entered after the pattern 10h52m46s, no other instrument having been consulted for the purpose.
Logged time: 4h50m45s
